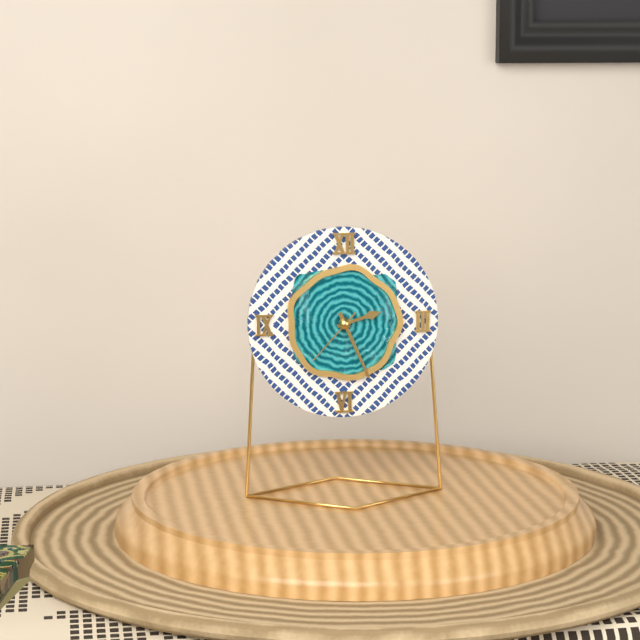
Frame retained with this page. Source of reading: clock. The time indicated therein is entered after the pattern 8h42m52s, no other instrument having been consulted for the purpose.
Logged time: 2h26m37s
